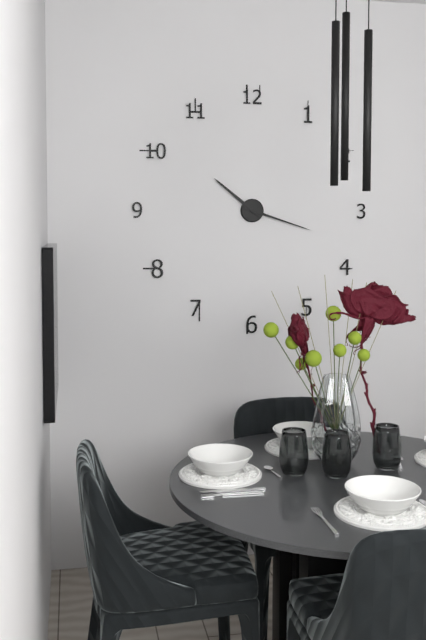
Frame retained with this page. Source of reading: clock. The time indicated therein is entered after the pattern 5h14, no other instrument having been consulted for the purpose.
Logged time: 10h18
